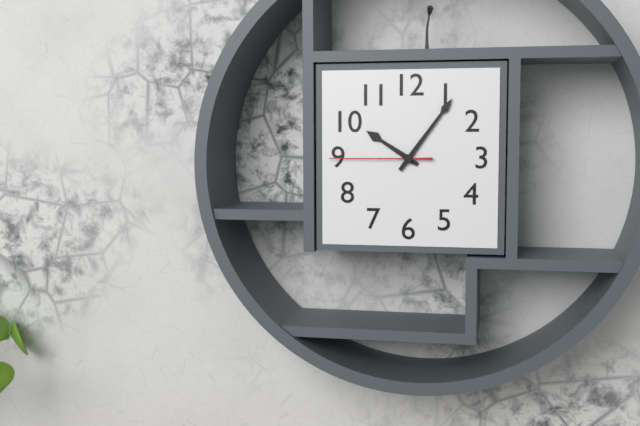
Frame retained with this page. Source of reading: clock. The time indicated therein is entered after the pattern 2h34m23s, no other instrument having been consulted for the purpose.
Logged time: 10h06m45s
